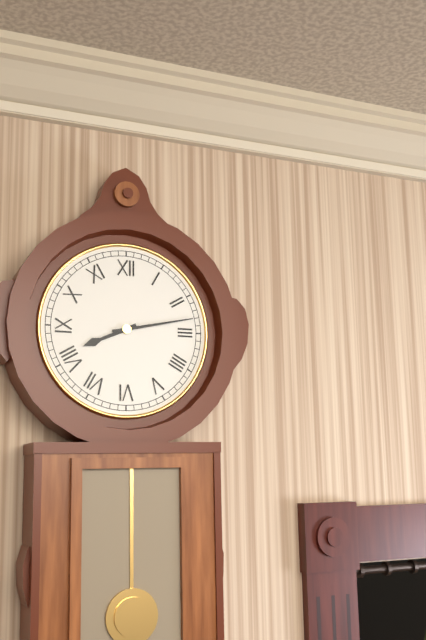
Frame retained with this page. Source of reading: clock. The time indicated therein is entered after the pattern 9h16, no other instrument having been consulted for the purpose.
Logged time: 8h13
